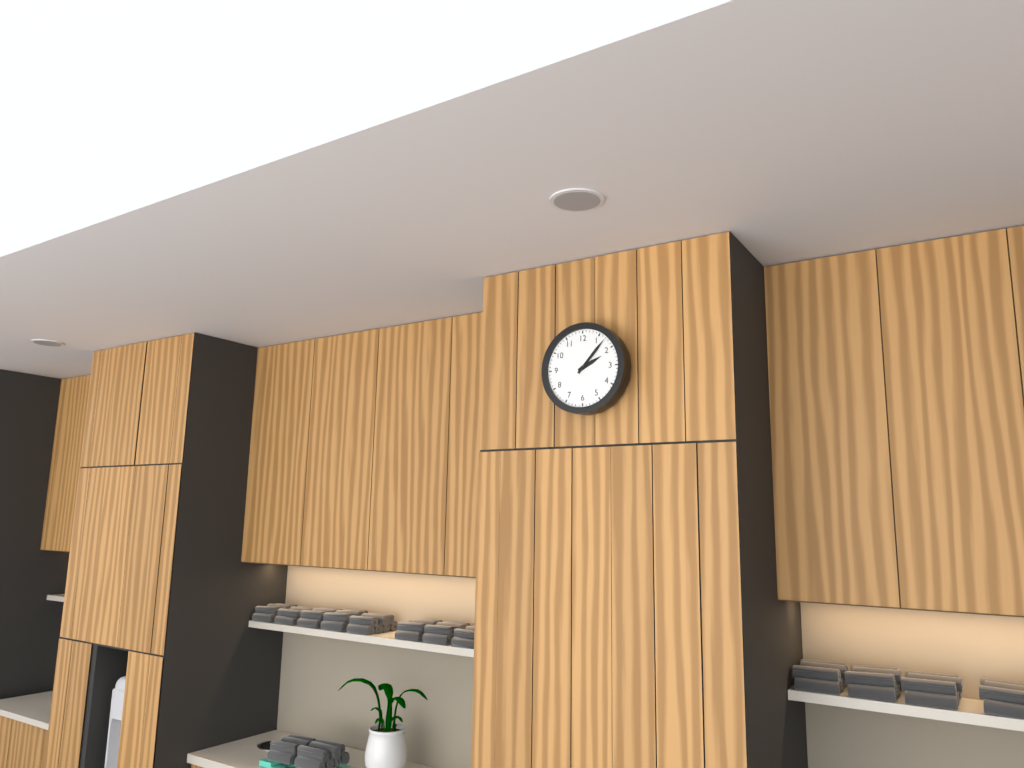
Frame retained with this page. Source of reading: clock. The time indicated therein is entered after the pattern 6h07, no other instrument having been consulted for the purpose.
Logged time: 2h07
